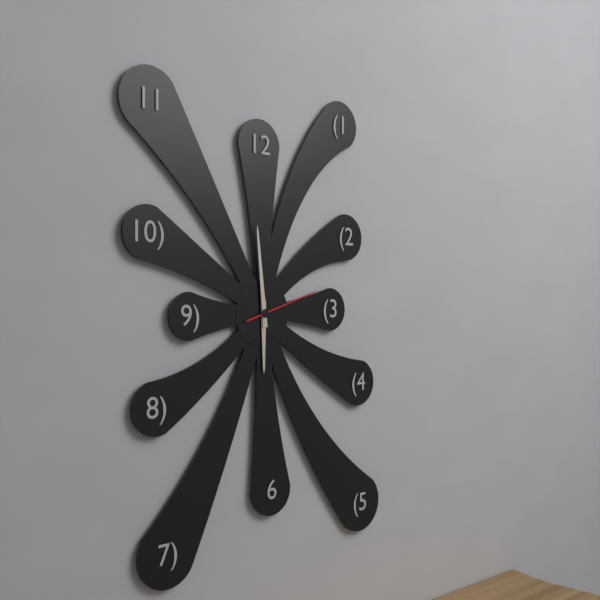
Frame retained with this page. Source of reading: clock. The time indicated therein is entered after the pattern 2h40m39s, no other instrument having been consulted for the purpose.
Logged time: 5h59m12s
